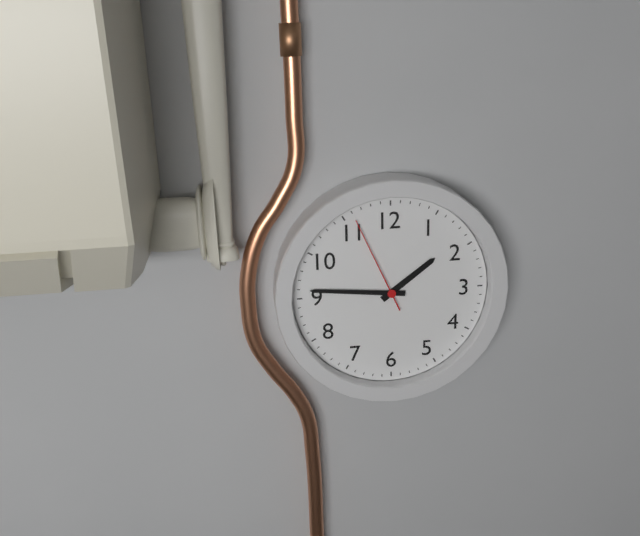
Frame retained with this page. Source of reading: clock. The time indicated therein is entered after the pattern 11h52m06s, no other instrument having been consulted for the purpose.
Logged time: 1h46m56s
